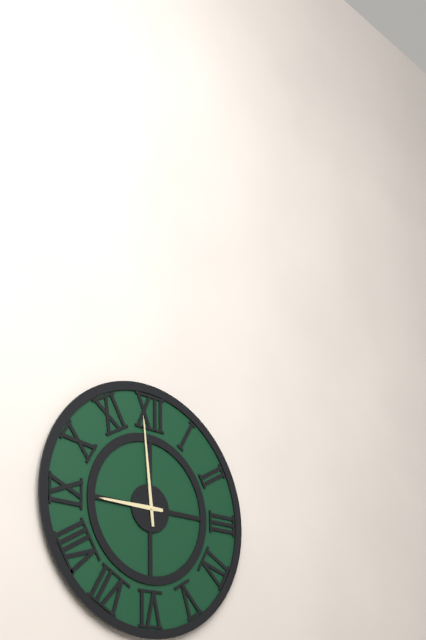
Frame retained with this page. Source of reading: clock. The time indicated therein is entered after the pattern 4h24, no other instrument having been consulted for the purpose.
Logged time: 8h59
